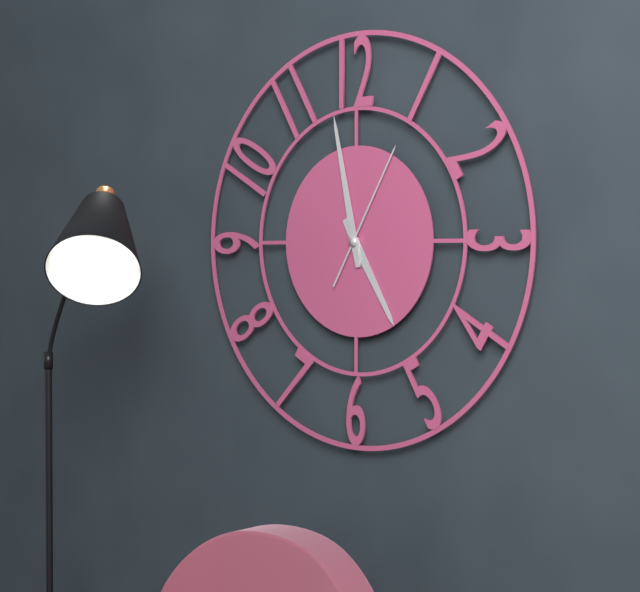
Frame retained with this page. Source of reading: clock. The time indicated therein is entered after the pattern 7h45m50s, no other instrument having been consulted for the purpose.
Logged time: 4h58m05s
